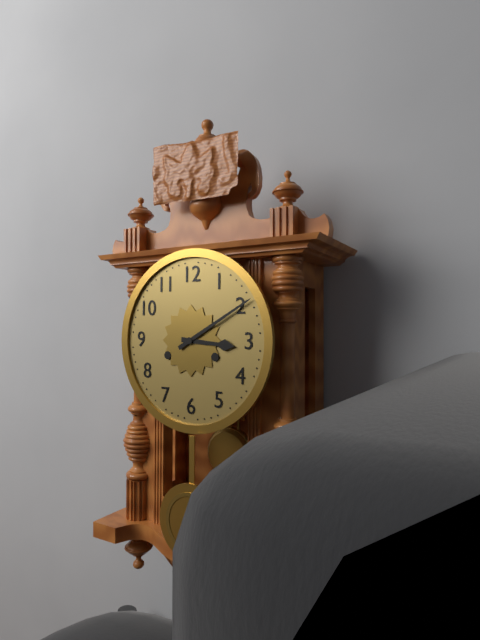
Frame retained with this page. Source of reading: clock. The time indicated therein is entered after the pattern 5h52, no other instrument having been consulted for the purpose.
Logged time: 3h10
